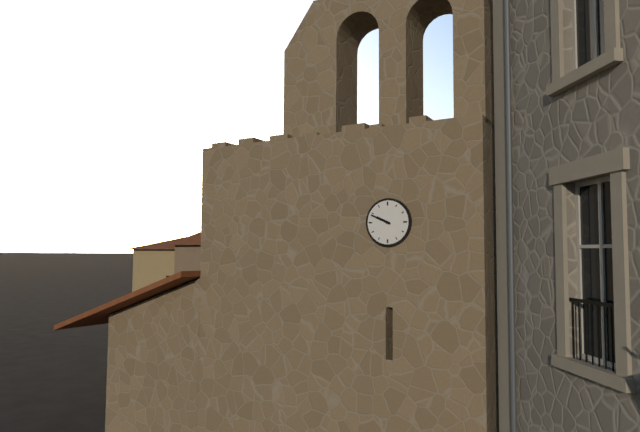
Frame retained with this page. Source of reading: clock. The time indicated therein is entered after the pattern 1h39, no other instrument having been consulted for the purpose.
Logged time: 9h49
